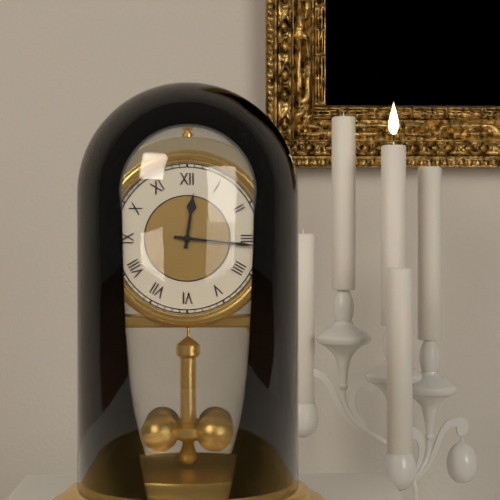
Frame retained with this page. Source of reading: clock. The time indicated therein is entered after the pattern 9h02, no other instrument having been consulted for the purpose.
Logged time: 12h16
